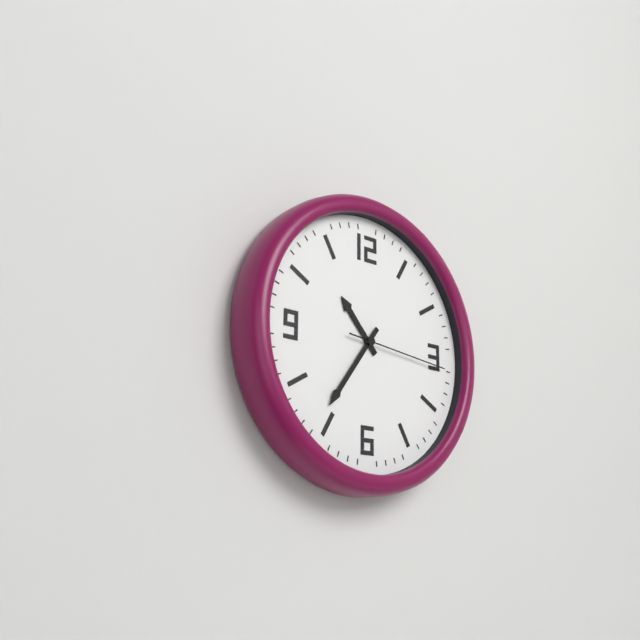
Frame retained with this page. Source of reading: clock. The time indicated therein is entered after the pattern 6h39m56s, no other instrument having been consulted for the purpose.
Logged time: 10h36m16s
